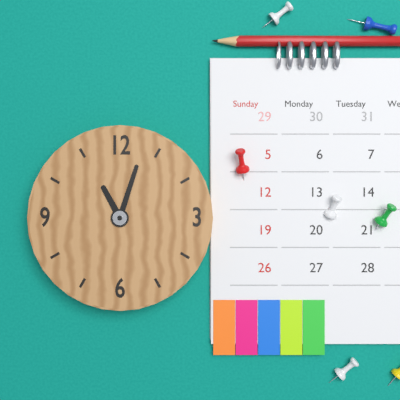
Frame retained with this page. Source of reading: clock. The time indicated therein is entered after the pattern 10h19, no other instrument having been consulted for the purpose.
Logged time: 11h03
